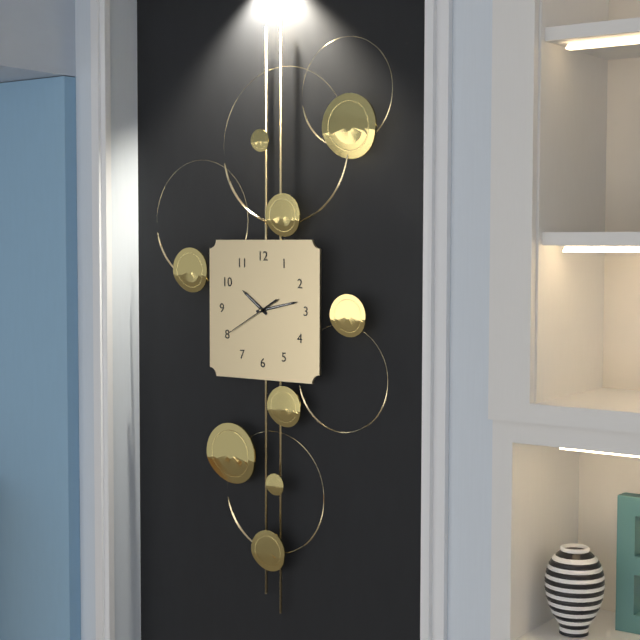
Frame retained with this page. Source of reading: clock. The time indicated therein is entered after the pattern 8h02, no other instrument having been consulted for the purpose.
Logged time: 10h13
